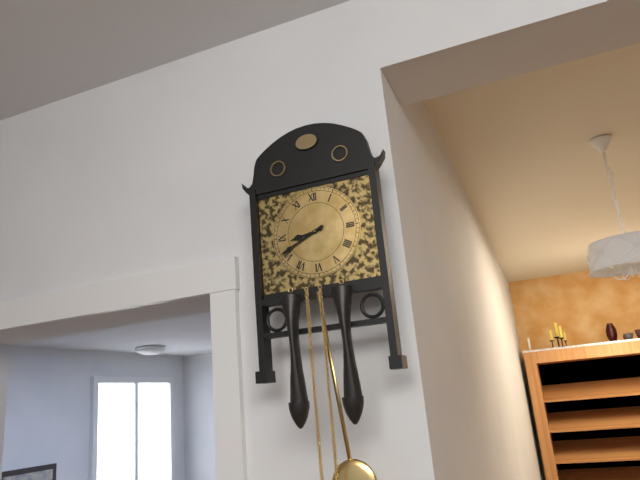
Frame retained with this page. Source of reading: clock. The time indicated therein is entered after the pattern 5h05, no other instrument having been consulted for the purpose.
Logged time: 8h41
